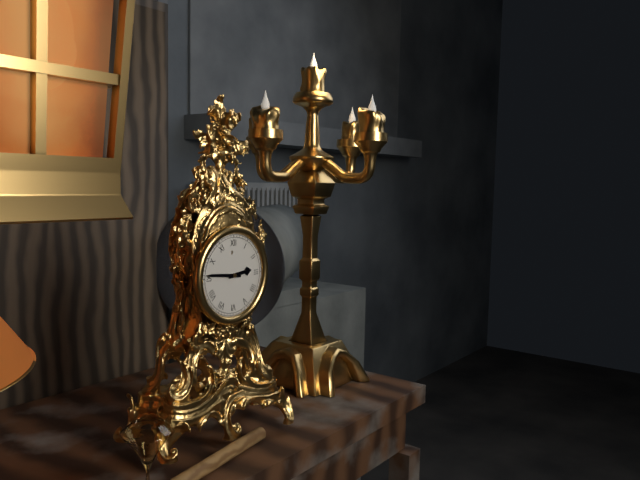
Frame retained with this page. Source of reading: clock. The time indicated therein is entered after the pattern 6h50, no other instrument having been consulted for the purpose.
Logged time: 2h46
